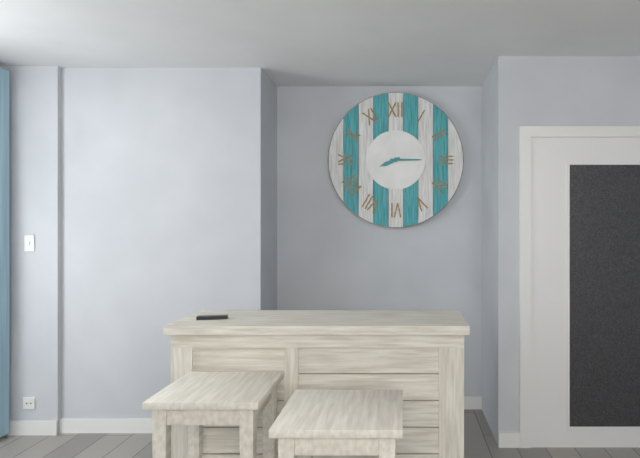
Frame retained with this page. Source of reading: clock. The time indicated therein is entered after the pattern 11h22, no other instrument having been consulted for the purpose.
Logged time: 8h15
